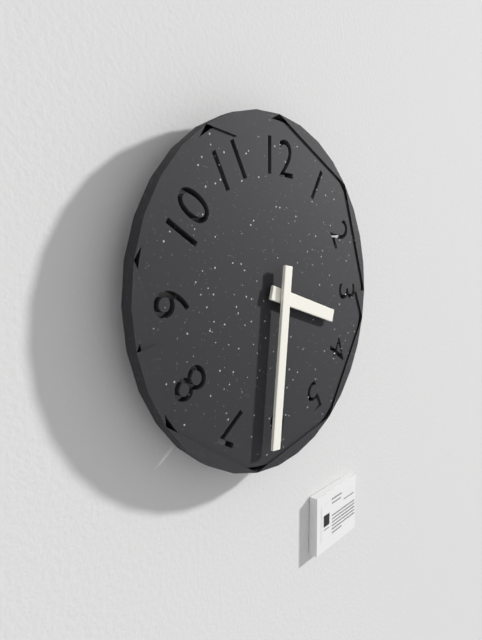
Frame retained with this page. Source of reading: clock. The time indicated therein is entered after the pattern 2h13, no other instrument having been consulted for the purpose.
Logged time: 3h31
